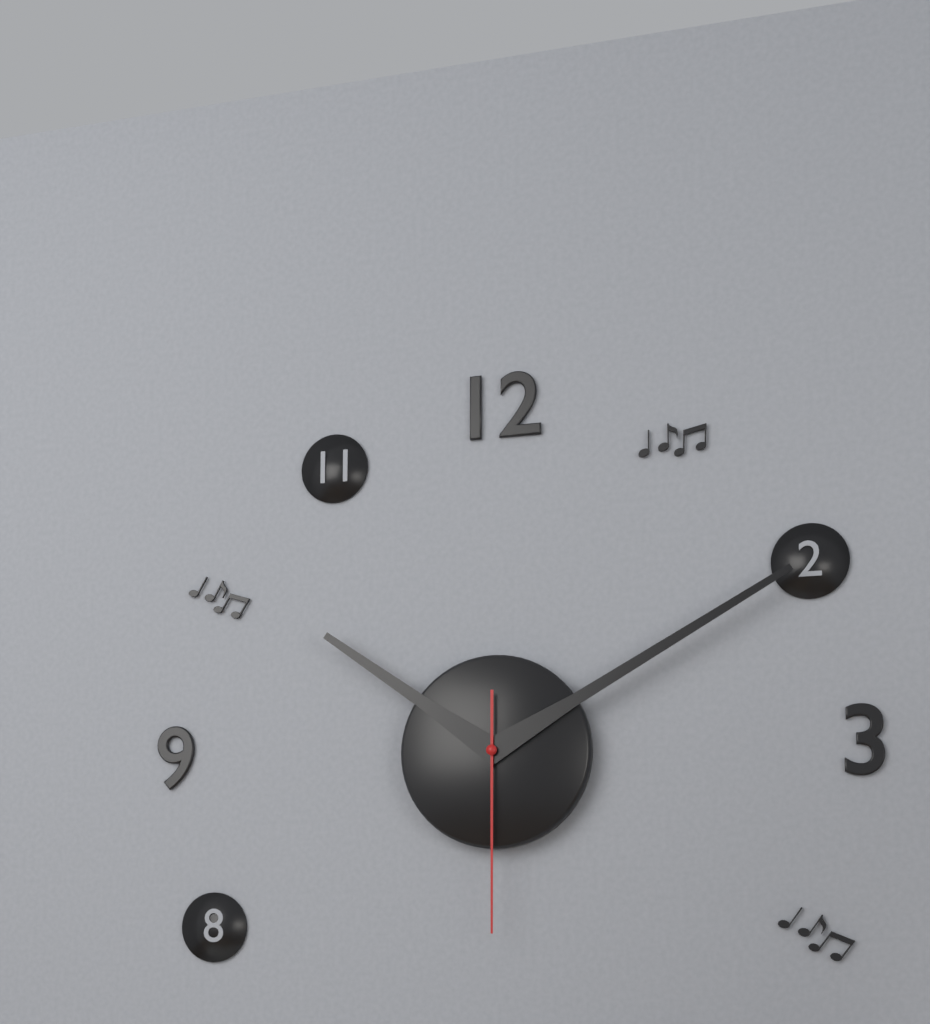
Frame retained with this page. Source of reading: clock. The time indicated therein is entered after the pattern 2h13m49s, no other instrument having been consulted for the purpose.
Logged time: 10h10m30s
